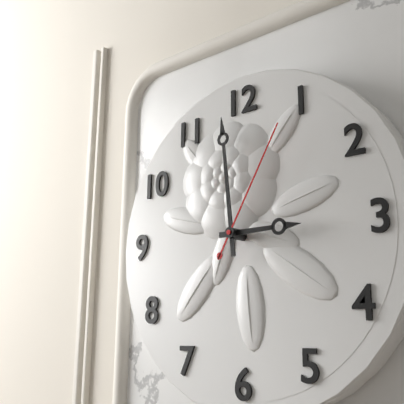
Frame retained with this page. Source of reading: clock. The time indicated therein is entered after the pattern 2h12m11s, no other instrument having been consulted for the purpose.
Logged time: 2h59m05s
